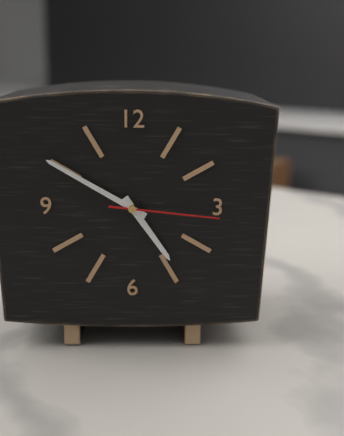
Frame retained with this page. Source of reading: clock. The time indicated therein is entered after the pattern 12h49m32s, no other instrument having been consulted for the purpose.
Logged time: 4h50m16s
